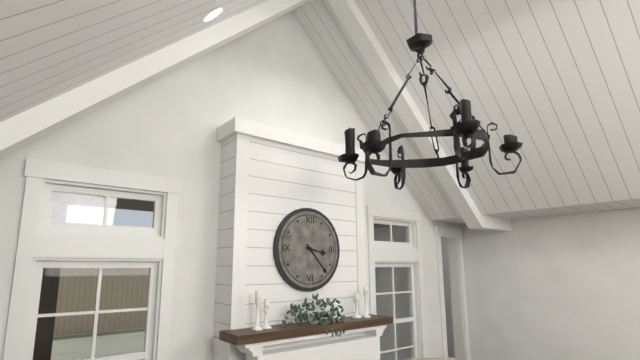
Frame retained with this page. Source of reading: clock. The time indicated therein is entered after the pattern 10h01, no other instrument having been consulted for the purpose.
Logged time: 3h23
